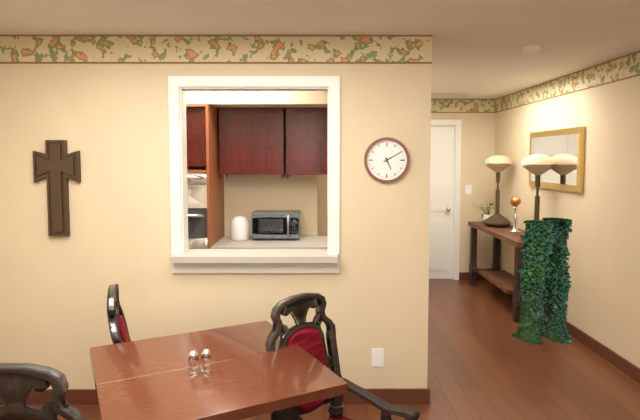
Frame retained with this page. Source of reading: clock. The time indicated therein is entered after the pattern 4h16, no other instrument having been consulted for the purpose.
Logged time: 5h10
